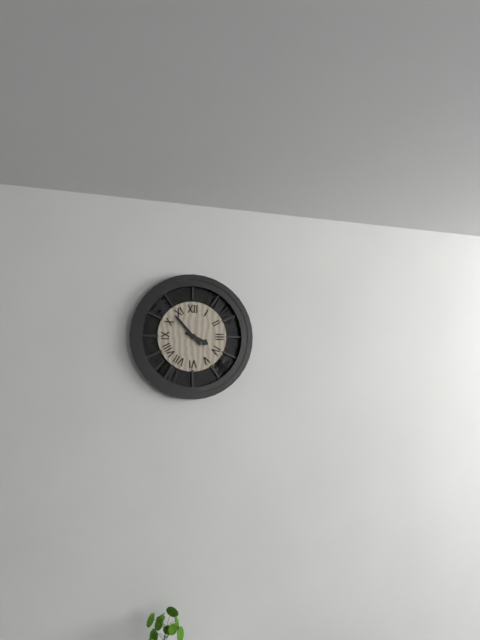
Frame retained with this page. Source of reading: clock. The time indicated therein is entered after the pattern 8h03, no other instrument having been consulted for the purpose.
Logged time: 3h53
